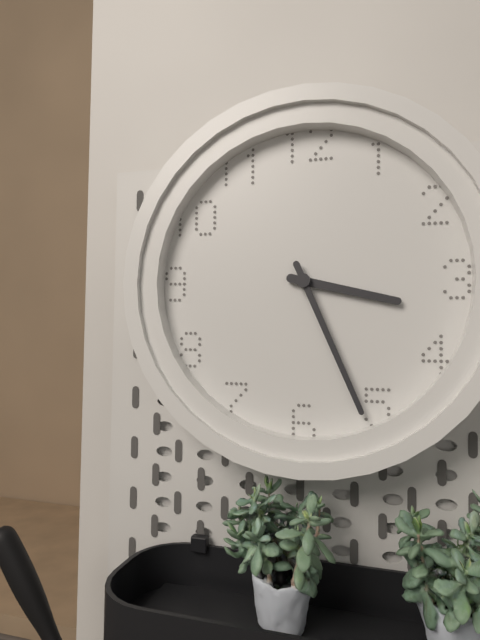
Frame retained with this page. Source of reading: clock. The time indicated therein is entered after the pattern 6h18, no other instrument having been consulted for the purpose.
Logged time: 3h26
